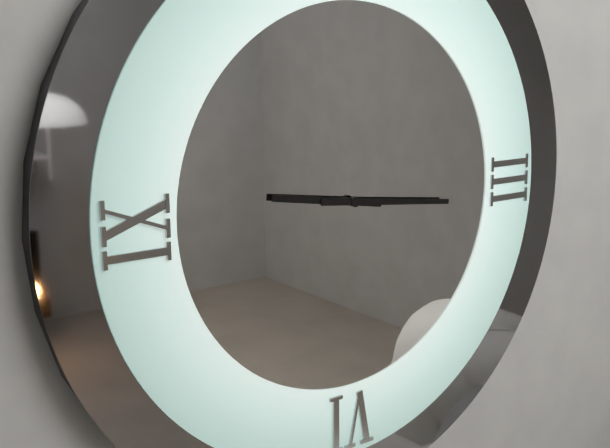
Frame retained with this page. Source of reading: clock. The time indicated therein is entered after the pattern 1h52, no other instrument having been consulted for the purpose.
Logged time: 9h16
